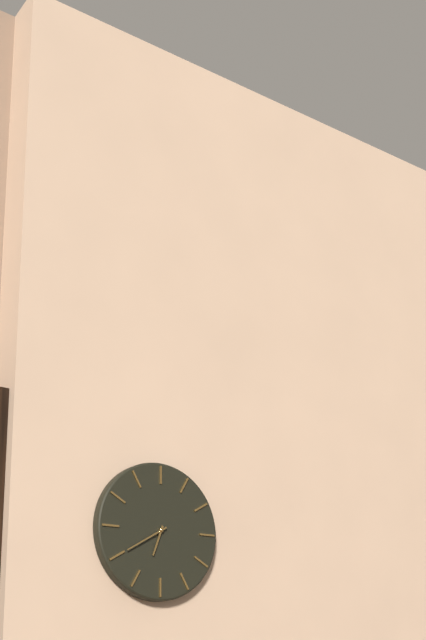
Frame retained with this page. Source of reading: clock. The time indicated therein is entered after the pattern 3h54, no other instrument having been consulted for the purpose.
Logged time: 6h40
